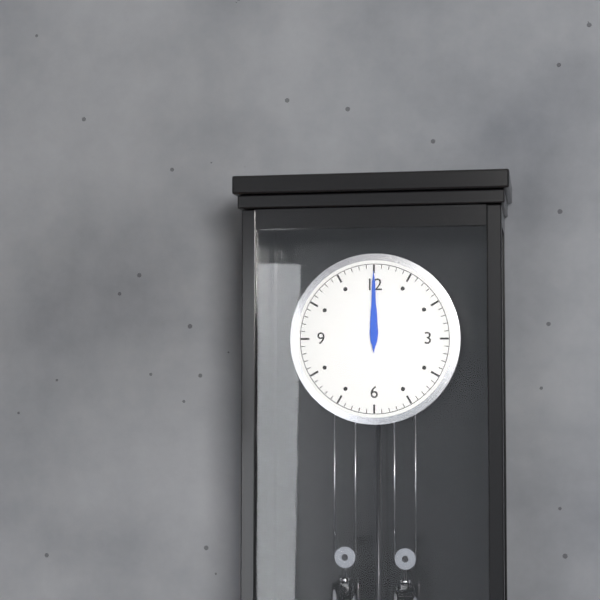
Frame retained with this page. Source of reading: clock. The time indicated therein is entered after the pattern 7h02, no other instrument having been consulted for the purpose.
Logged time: 12h00
